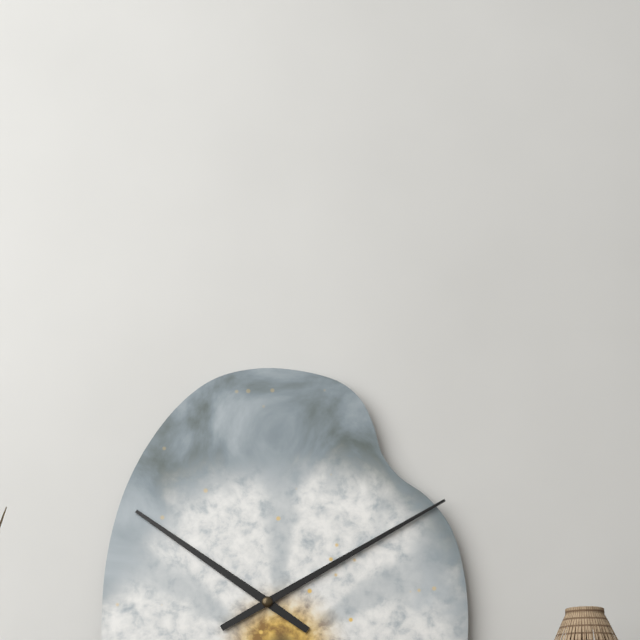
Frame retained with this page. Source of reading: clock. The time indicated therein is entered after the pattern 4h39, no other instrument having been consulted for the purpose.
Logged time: 10h10
